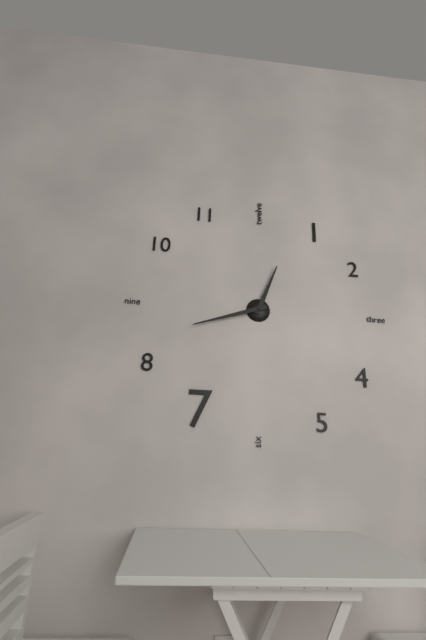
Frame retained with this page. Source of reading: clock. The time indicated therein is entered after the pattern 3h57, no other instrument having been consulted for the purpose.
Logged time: 12h42
